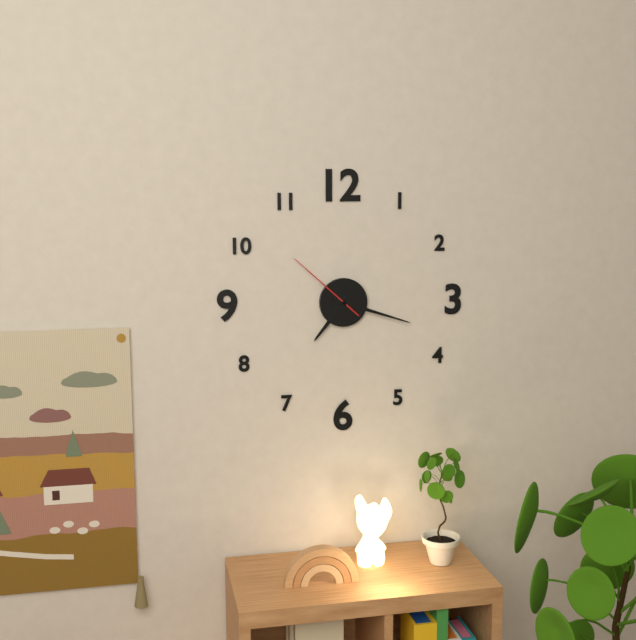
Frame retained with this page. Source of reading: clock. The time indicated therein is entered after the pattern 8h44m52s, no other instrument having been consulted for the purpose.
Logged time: 7h18m52s
